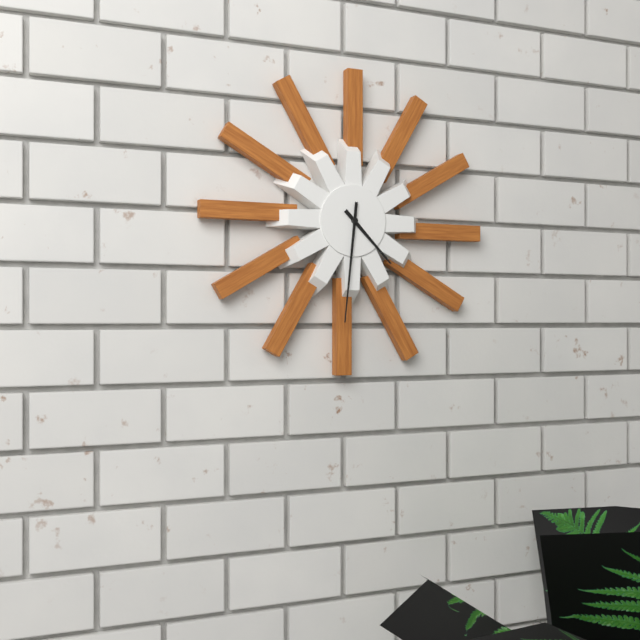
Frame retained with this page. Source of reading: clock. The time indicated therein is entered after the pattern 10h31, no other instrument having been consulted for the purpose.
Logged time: 4h31
